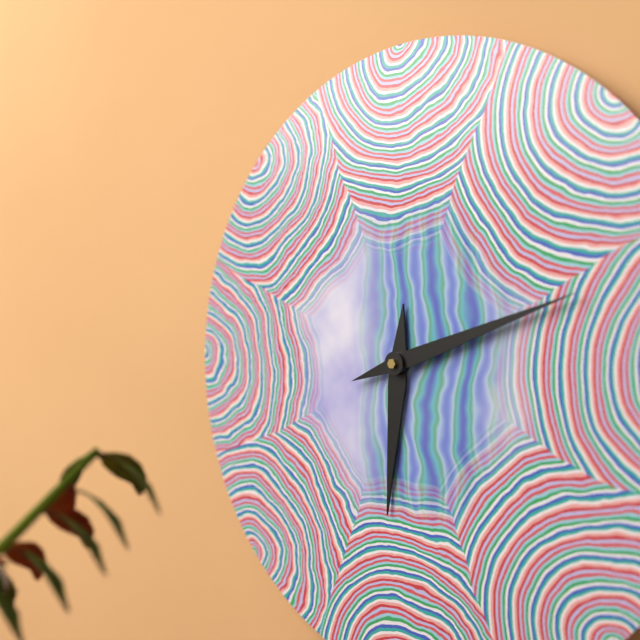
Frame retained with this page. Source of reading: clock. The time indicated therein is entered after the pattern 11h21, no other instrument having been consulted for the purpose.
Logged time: 6h12
